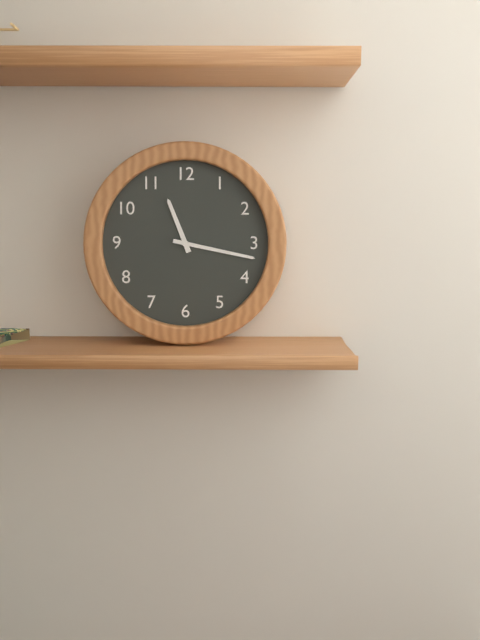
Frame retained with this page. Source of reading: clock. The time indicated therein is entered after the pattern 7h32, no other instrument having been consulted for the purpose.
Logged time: 11h17
